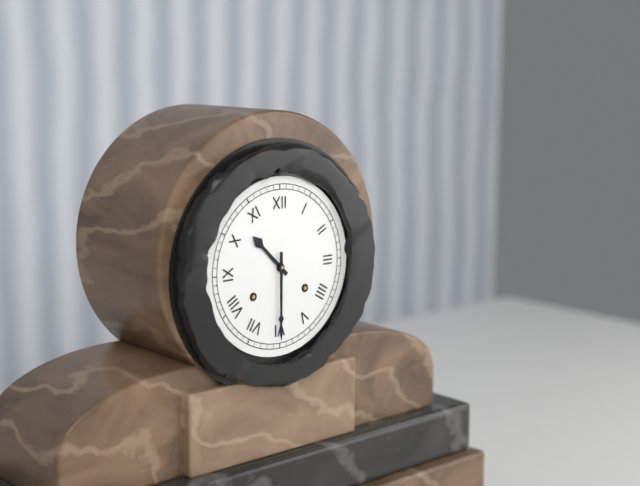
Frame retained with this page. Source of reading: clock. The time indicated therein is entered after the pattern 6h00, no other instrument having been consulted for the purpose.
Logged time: 10h30
